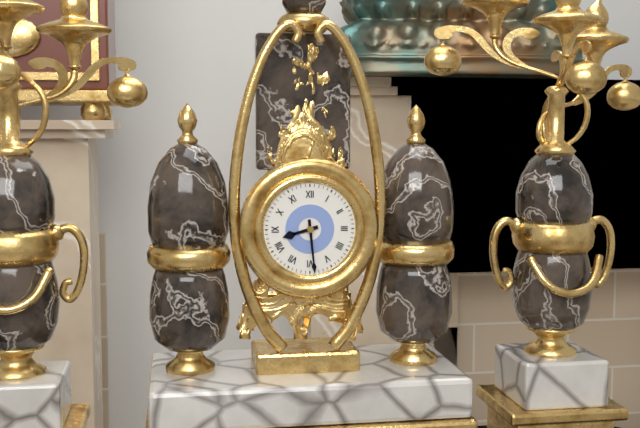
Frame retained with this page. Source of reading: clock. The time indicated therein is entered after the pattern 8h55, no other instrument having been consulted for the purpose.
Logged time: 8h29
